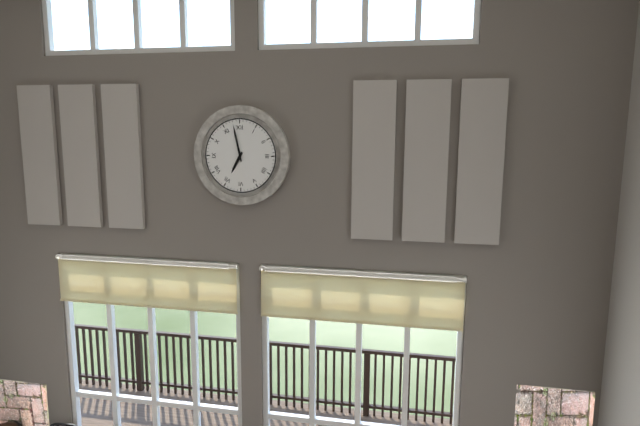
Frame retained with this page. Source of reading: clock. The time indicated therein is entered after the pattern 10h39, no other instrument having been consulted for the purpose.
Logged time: 6h58
